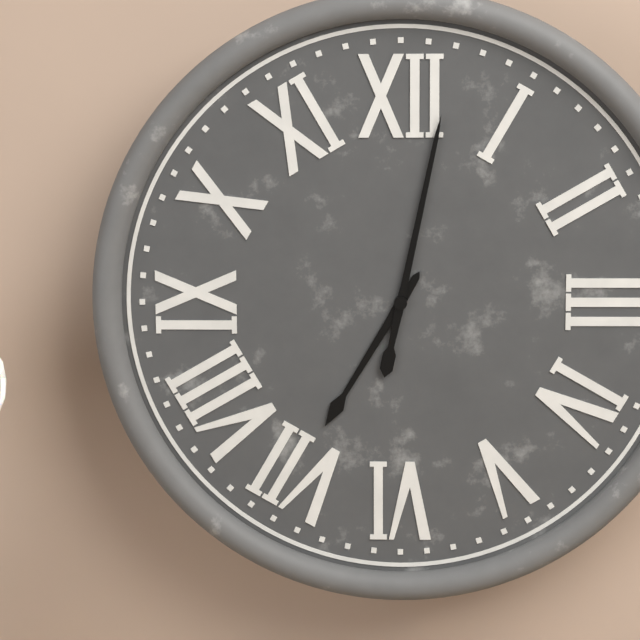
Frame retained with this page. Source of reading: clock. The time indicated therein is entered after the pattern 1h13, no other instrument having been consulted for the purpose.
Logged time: 7h02
